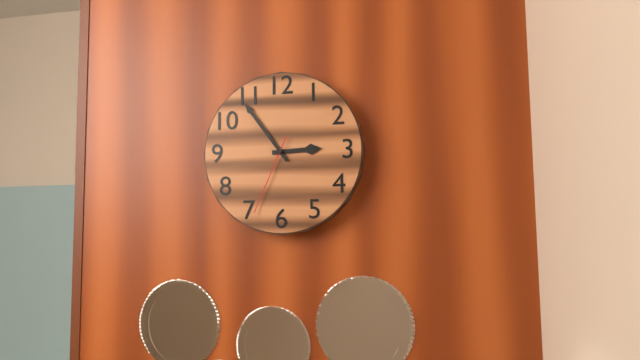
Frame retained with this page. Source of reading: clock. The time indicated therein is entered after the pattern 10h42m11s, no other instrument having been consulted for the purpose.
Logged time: 2h54m34s
